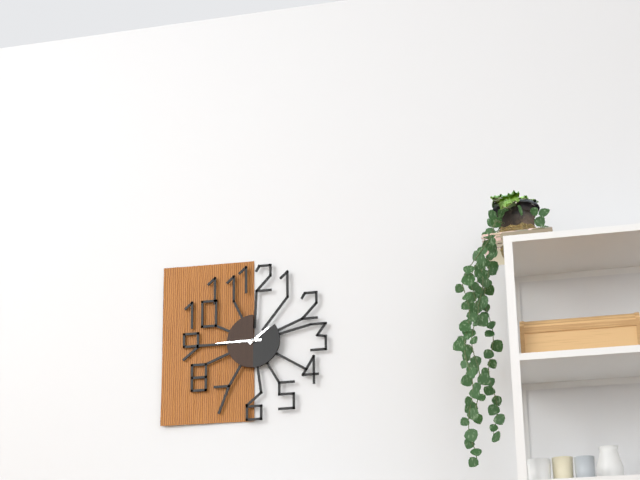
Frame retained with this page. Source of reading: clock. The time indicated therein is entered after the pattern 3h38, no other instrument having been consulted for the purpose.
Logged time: 1h45
